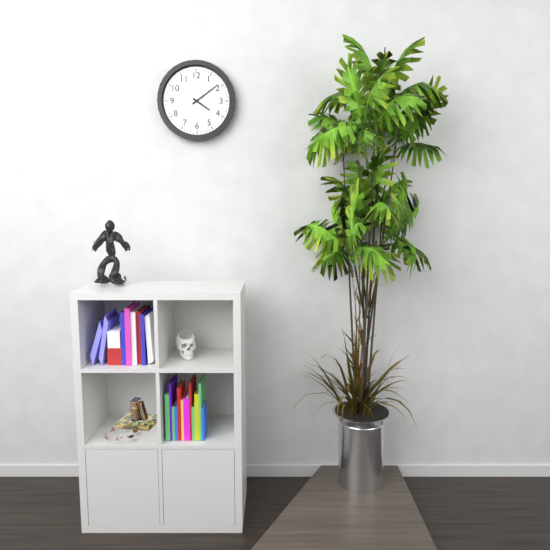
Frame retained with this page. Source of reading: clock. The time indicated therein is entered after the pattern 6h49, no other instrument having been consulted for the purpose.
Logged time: 4h09
